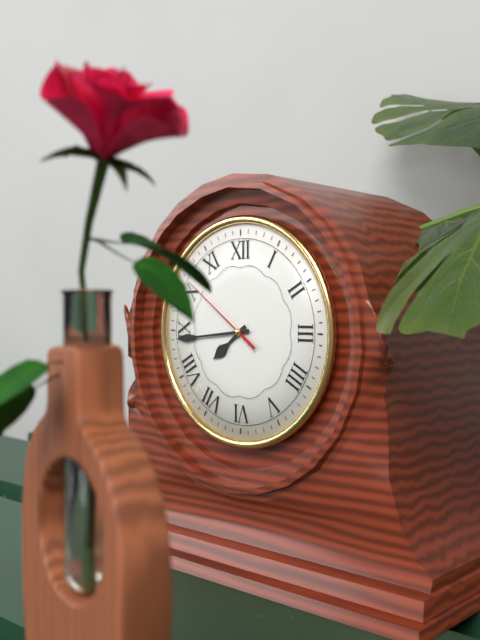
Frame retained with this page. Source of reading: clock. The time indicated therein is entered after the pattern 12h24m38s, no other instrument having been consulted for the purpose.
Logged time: 7h44m51s
